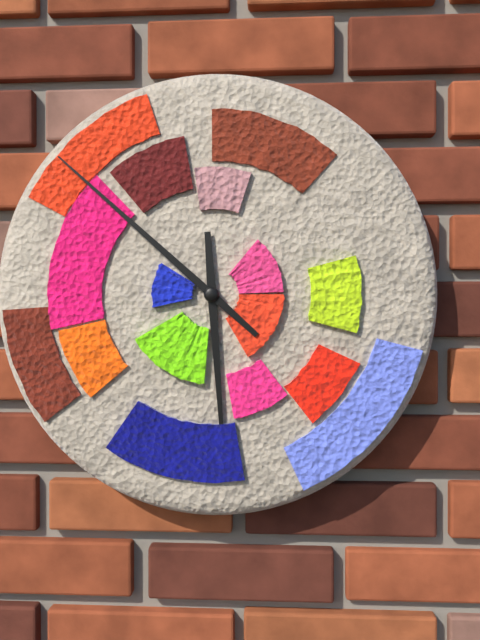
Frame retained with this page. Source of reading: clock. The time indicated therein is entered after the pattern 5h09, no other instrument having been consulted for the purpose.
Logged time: 5h52
